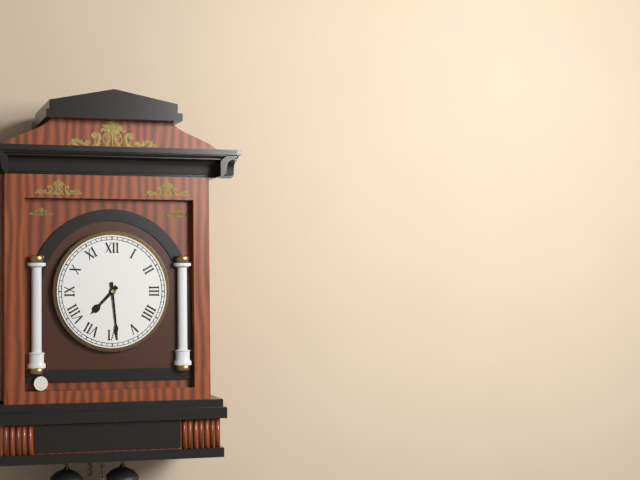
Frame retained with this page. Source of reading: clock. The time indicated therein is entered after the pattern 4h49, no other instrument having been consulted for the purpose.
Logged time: 7h29
